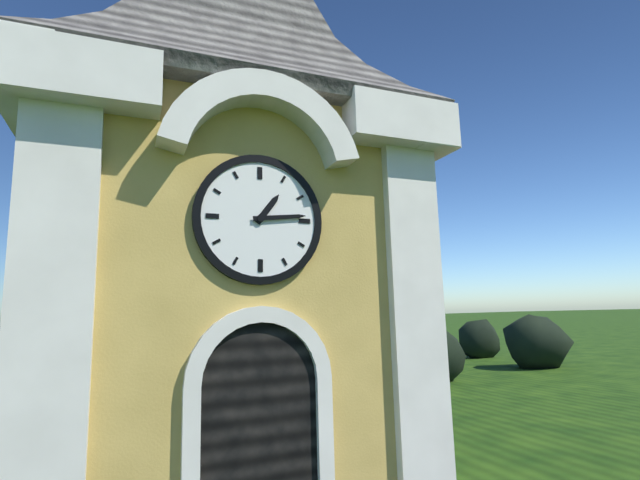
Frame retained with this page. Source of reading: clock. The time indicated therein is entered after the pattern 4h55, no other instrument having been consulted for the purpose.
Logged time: 1h14
